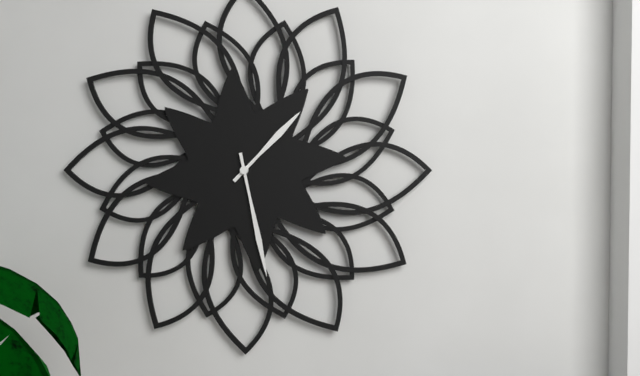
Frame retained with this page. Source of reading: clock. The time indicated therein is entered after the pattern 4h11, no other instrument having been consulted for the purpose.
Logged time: 1h28
